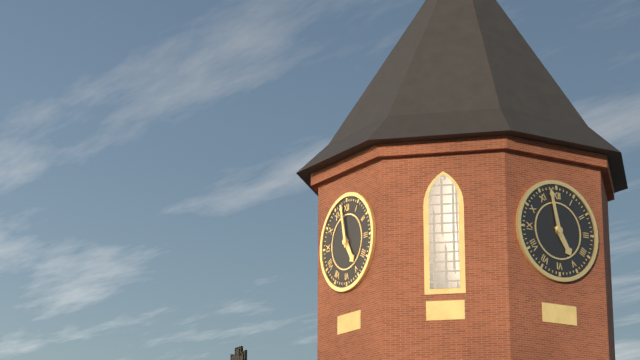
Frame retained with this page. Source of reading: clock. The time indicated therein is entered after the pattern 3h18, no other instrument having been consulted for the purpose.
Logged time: 4h58
